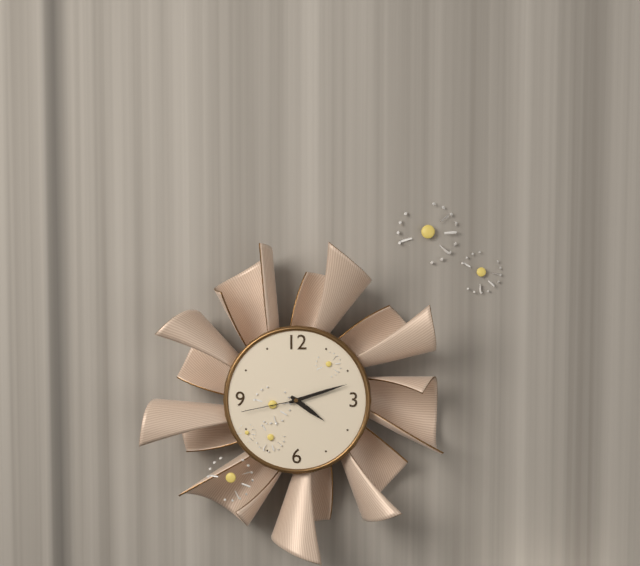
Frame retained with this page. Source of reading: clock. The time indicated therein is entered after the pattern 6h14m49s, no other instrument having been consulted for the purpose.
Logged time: 4h12m43s
